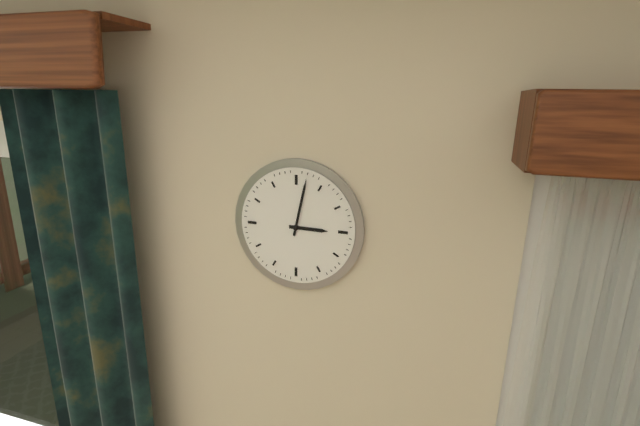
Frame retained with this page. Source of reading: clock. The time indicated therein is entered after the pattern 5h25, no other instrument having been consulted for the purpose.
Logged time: 3h02
